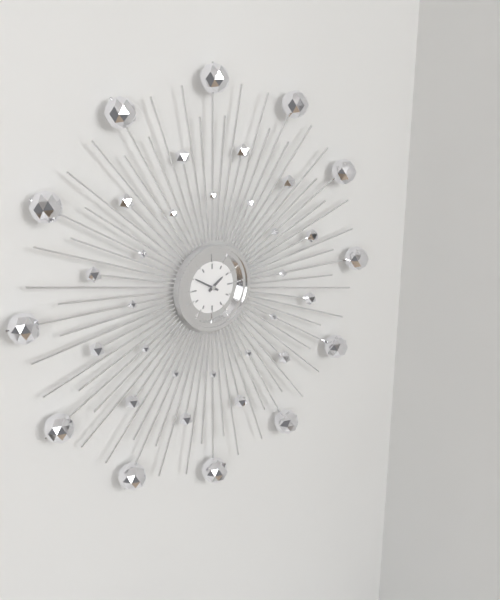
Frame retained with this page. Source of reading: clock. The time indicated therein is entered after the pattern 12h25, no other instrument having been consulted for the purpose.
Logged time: 1h50
